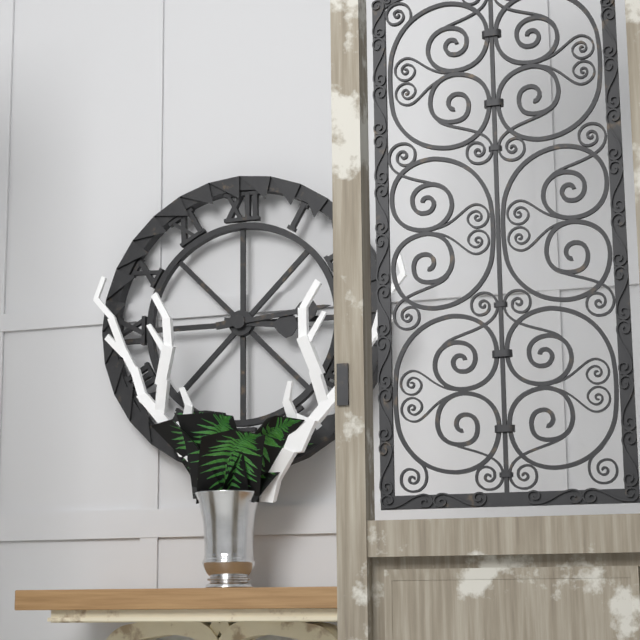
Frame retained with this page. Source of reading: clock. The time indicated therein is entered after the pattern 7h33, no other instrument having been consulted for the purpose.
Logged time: 3h14
